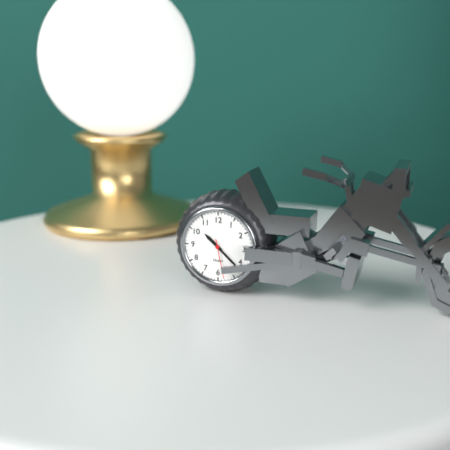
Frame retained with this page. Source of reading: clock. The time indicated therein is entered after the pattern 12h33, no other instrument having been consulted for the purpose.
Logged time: 10h22
